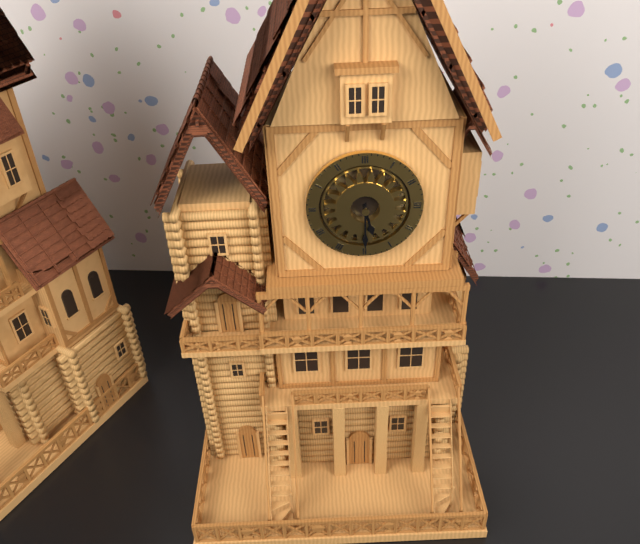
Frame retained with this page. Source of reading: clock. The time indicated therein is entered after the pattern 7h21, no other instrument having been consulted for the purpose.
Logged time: 5h30
